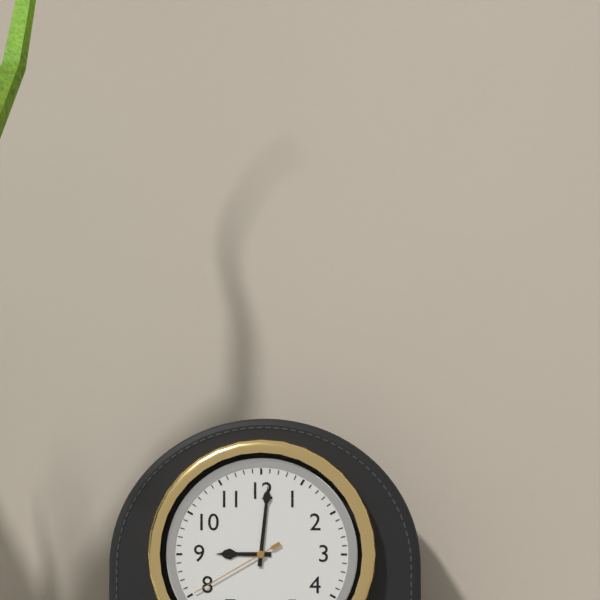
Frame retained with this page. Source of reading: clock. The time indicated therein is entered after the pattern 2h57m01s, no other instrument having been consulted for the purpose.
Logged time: 9h01m40s
